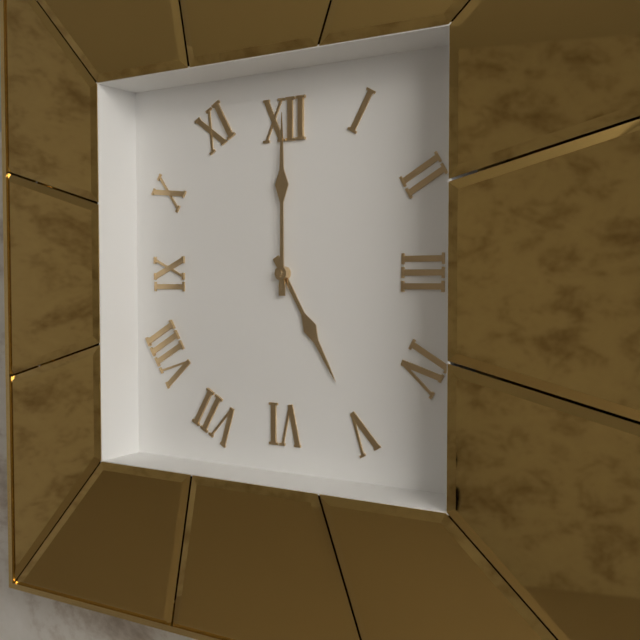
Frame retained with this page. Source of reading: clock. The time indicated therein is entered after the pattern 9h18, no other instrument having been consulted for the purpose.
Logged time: 5h00
